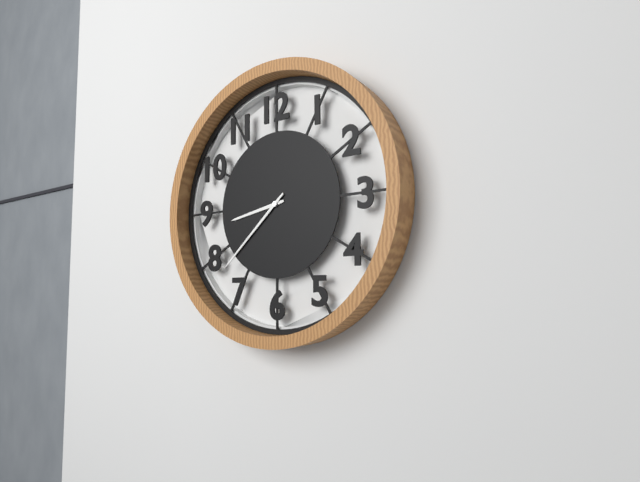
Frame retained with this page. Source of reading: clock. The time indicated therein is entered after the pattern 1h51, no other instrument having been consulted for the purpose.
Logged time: 8h38
